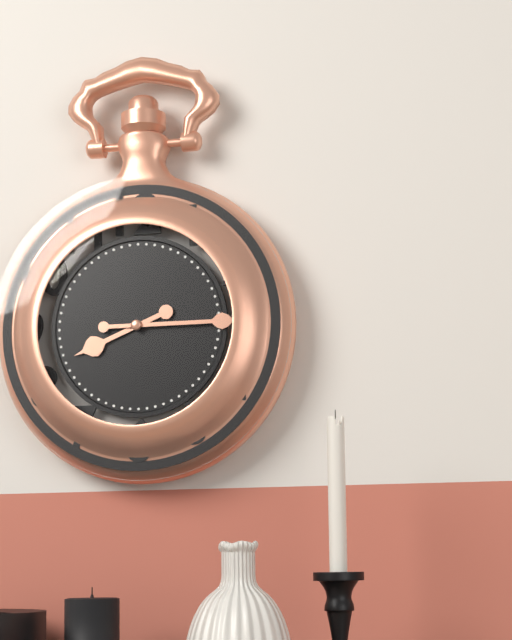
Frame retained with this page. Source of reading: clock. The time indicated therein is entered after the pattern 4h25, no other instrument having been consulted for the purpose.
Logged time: 8h15
